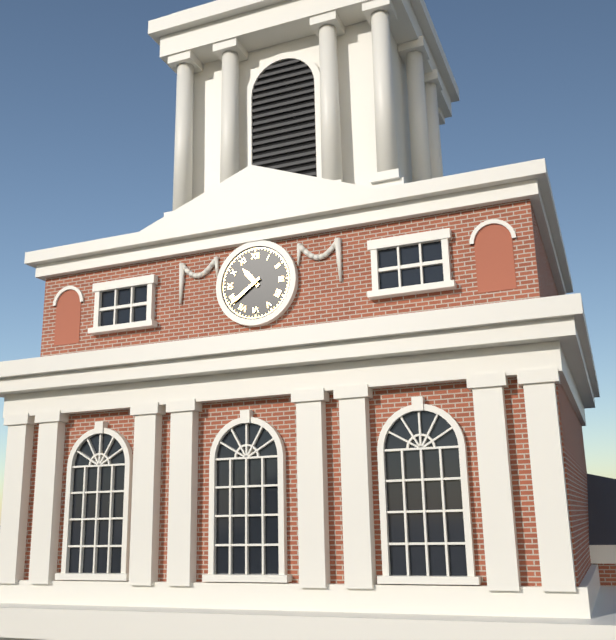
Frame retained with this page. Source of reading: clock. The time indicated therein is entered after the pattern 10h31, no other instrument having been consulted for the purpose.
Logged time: 10h39
